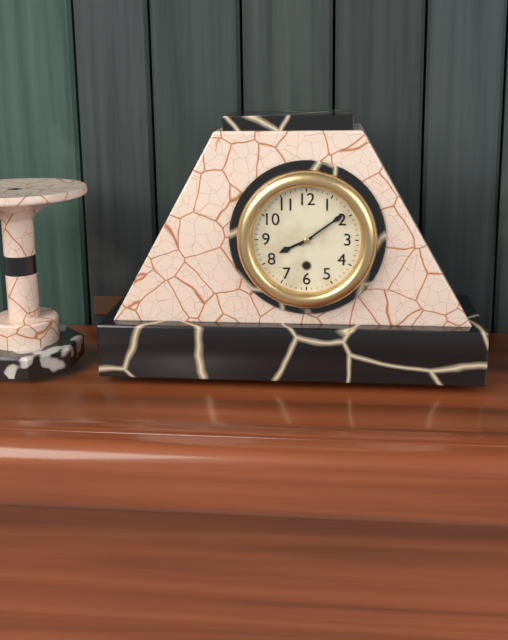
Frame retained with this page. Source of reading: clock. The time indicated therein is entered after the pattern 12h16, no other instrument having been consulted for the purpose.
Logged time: 8h09
